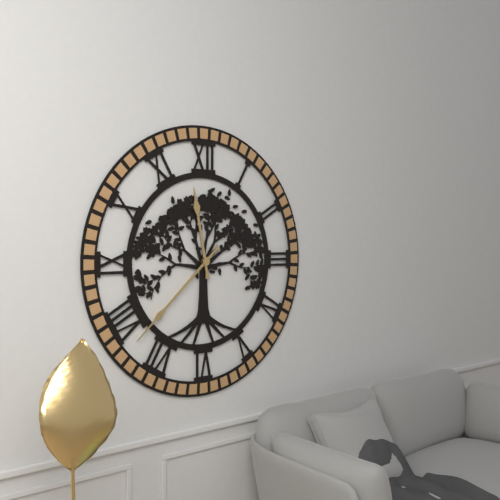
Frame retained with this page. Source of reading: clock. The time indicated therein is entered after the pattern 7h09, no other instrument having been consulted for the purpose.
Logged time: 11h38
